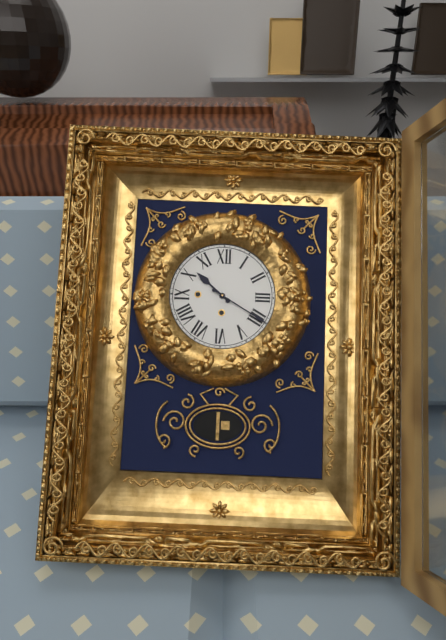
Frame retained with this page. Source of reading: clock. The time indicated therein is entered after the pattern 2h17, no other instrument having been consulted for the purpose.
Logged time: 10h20
